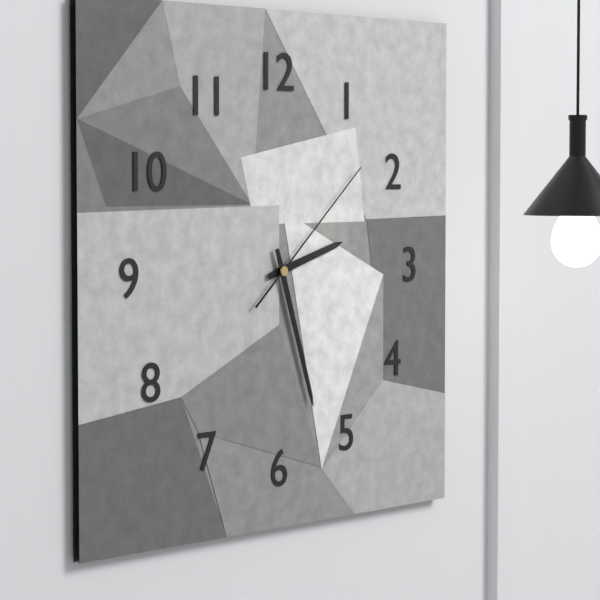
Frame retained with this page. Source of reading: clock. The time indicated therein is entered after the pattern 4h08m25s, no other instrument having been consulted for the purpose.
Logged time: 2h27m08s
